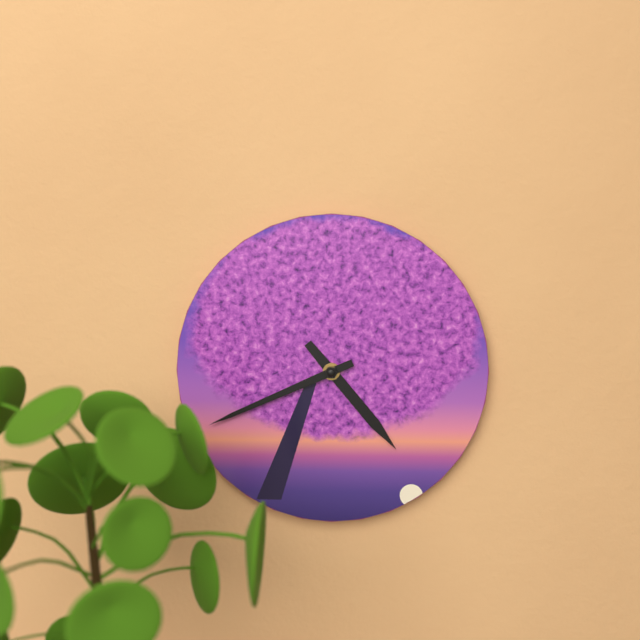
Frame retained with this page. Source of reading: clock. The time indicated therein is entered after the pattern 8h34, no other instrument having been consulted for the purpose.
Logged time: 4h41
